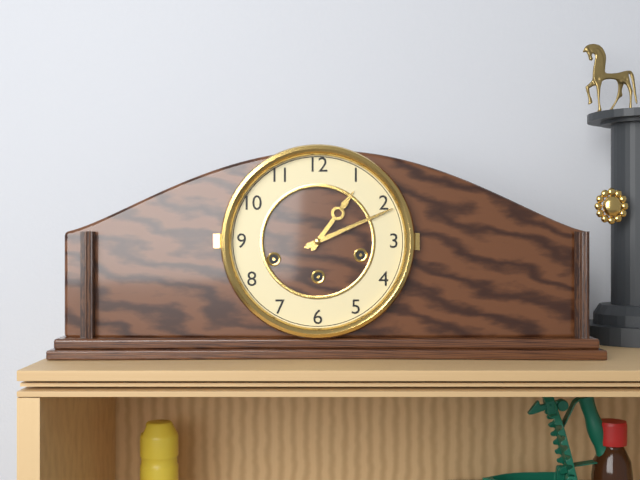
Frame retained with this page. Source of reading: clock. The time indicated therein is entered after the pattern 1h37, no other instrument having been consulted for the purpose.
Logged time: 1h11
